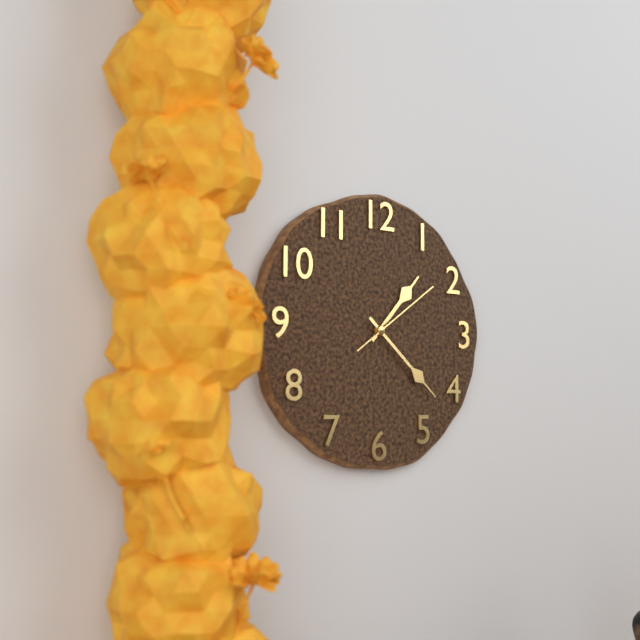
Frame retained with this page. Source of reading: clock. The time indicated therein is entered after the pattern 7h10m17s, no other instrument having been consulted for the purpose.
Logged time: 1h22m09s
